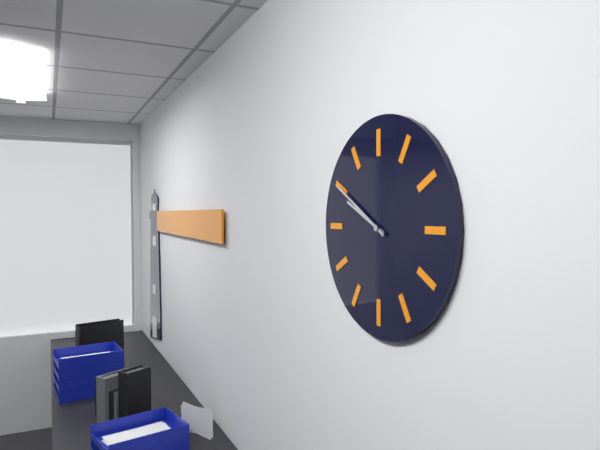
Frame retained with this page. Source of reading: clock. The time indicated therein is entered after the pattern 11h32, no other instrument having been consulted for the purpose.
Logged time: 9h50
